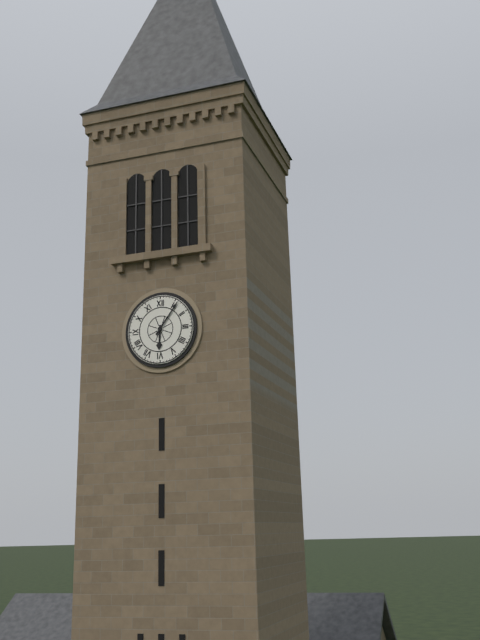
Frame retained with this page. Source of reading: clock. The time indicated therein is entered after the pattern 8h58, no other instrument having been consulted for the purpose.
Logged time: 6h06
